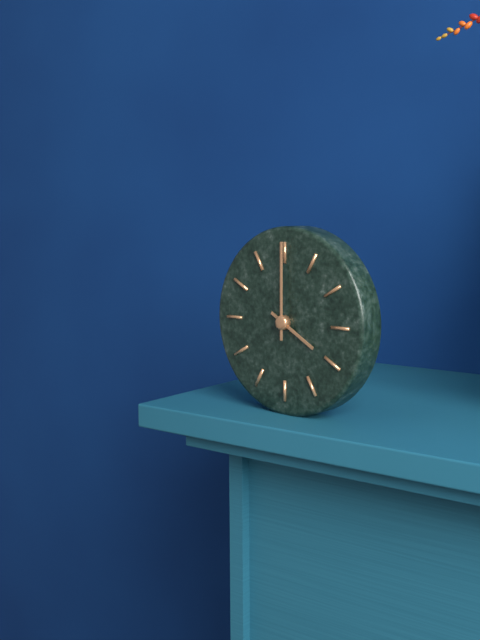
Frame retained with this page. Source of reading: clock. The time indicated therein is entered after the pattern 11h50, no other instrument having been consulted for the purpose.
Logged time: 4h00
